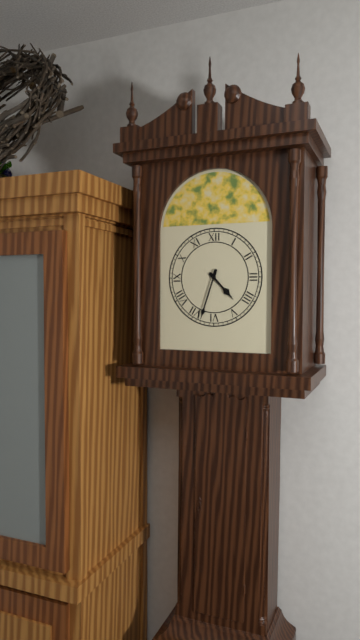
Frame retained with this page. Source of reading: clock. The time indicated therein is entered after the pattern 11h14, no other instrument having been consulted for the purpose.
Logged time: 4h33
